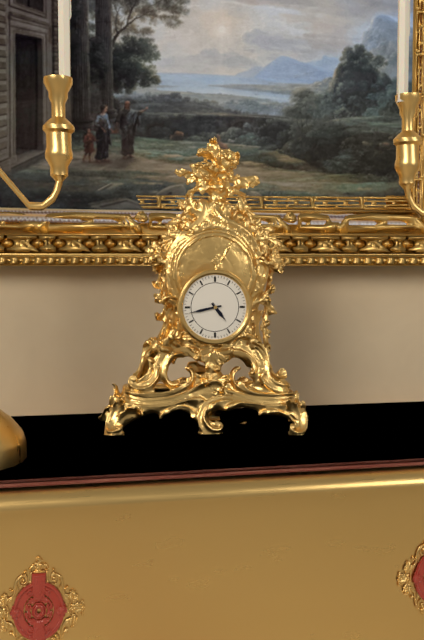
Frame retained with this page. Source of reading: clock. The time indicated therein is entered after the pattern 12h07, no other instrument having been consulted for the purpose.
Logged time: 4h43
